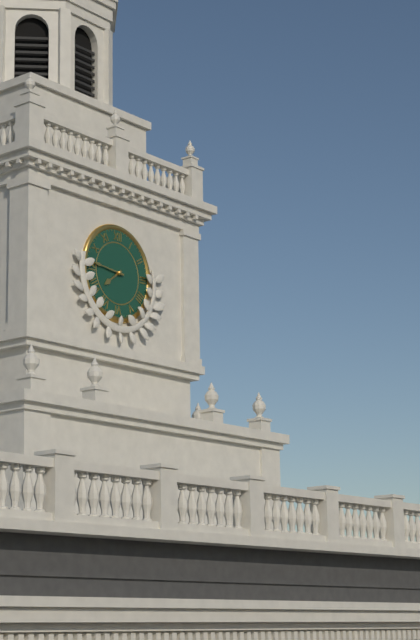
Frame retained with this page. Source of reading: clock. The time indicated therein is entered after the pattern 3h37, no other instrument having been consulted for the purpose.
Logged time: 7h46
